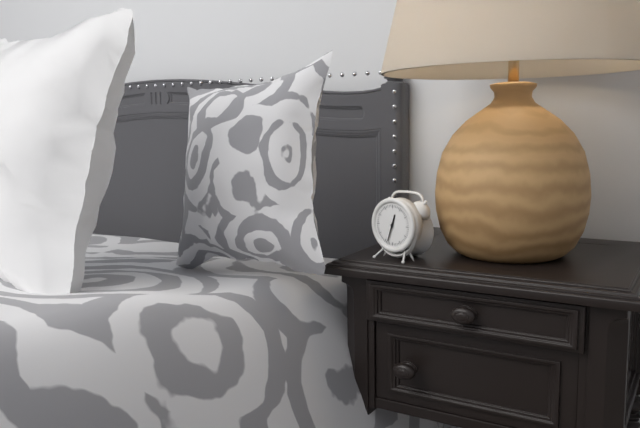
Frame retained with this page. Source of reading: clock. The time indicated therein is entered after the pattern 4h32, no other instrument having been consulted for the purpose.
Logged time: 12h33
